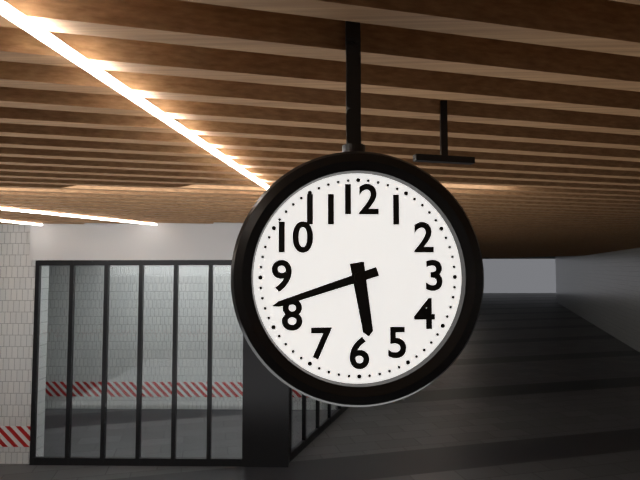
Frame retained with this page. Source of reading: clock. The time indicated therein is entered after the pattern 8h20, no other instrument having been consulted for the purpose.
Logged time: 5h42
